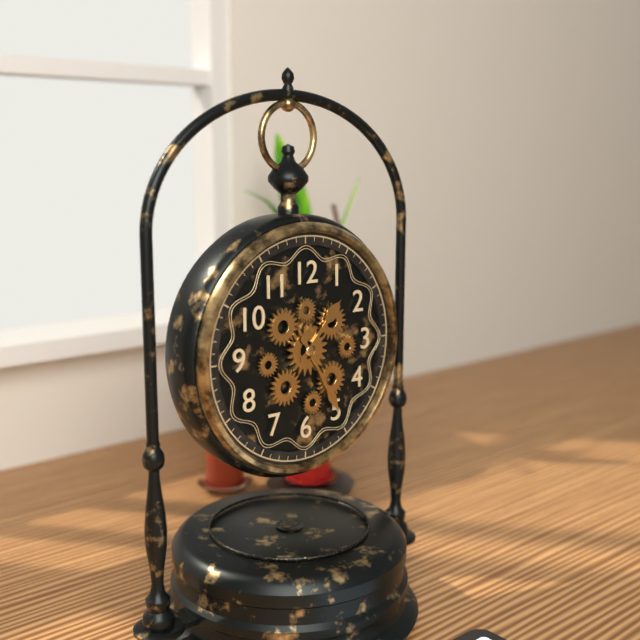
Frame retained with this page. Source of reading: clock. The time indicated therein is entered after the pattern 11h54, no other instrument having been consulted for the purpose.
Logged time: 1h25
